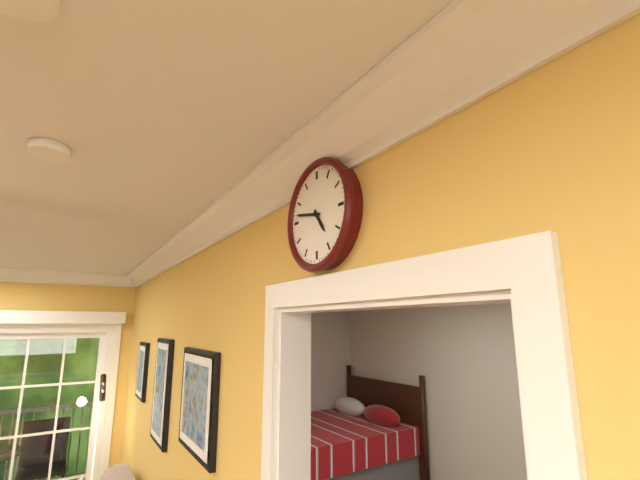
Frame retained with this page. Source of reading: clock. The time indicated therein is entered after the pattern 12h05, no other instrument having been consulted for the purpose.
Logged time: 4h47
